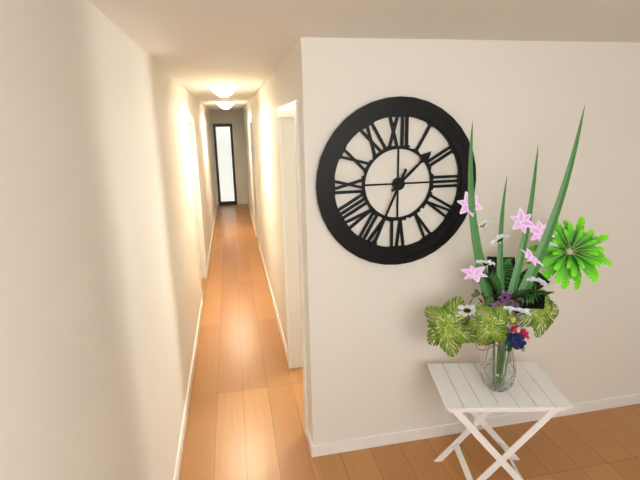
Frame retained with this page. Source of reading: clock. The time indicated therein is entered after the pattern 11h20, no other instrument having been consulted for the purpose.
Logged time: 1h34
